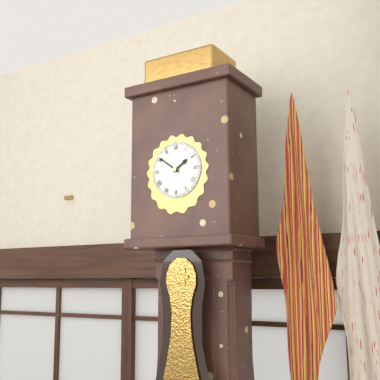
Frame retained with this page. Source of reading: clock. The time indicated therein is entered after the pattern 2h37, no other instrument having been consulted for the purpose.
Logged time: 1h51
